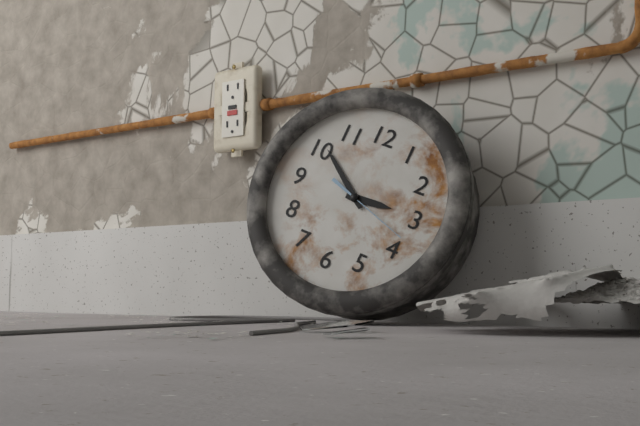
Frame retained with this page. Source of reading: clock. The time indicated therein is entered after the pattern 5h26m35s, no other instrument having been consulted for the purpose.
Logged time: 2h51m18s
